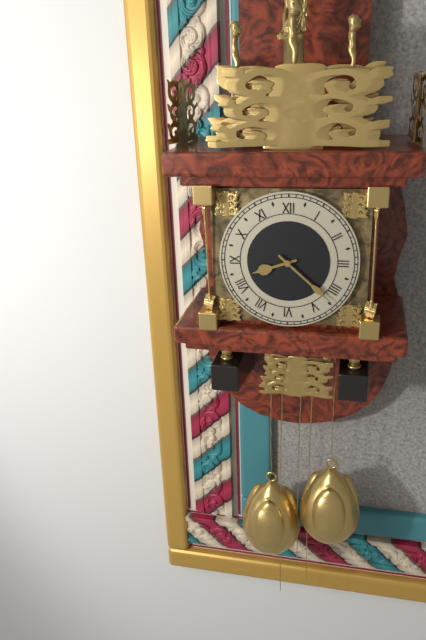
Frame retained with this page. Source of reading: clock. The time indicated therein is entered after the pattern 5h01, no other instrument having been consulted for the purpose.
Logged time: 8h22
